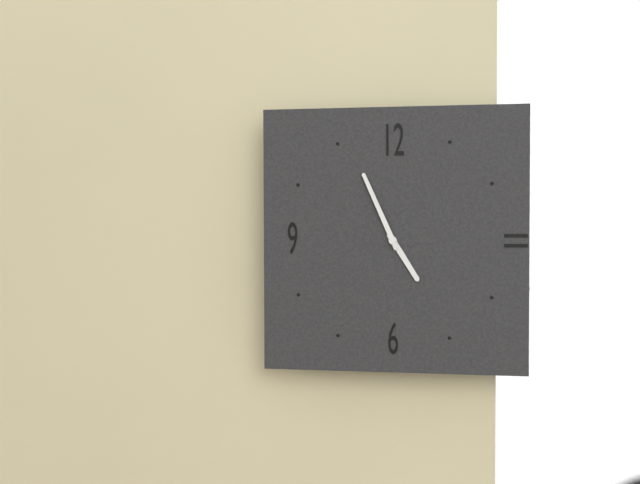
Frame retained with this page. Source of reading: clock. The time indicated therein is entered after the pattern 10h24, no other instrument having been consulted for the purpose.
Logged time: 4h56
